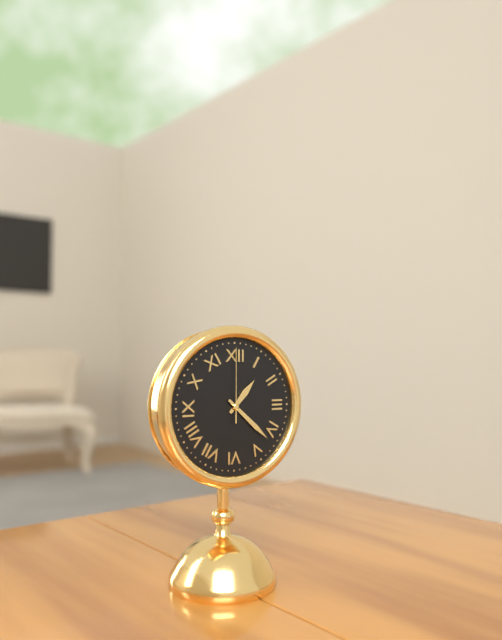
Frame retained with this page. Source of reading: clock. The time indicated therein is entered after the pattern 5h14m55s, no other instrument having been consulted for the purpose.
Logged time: 1h22m00s
